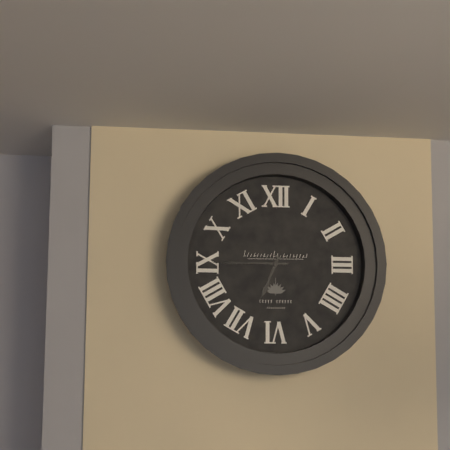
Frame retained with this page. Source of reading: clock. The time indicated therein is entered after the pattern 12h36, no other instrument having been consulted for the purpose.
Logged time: 6h45
